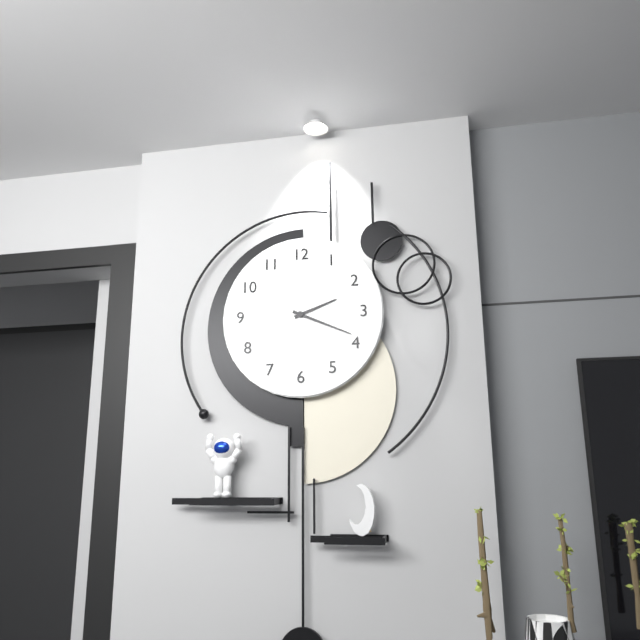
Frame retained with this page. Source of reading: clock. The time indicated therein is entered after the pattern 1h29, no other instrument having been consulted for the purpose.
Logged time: 2h19
